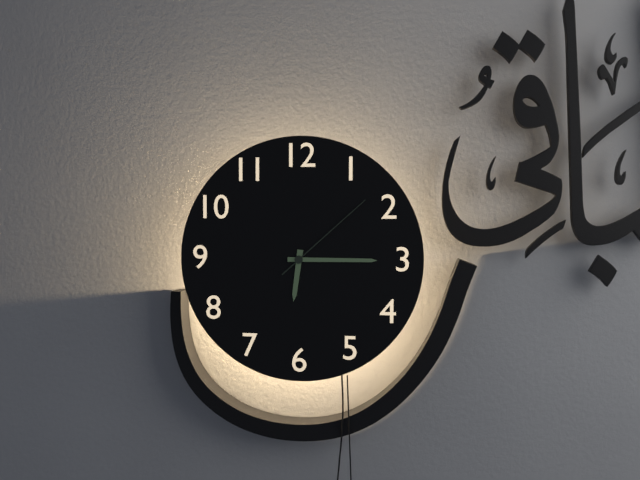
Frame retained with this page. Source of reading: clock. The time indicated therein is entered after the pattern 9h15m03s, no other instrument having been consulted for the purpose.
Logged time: 6h15m08s
